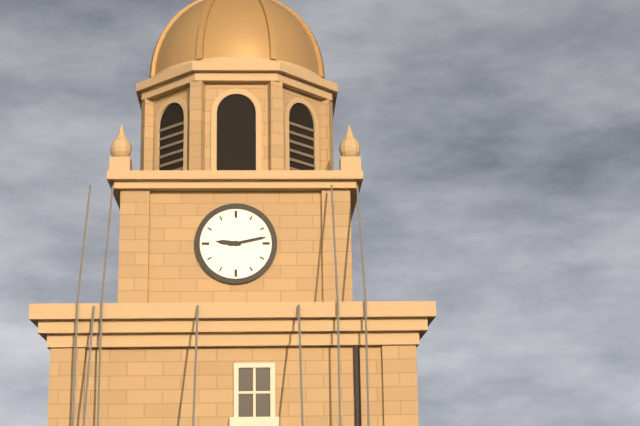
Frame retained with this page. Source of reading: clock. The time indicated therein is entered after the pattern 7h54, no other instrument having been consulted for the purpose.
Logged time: 9h13
